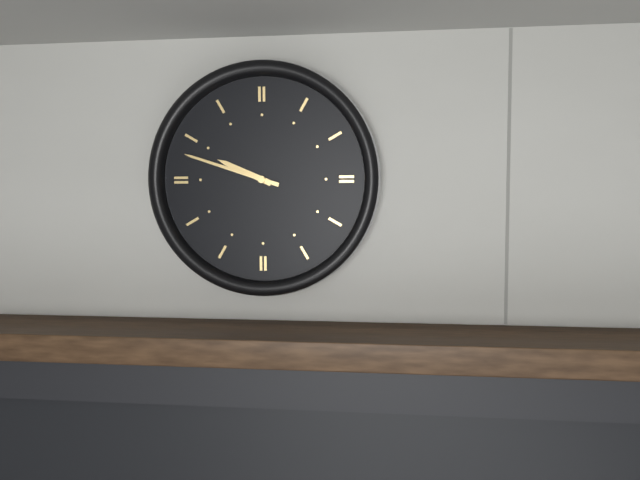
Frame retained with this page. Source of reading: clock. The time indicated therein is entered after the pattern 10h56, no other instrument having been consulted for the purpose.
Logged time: 9h48
